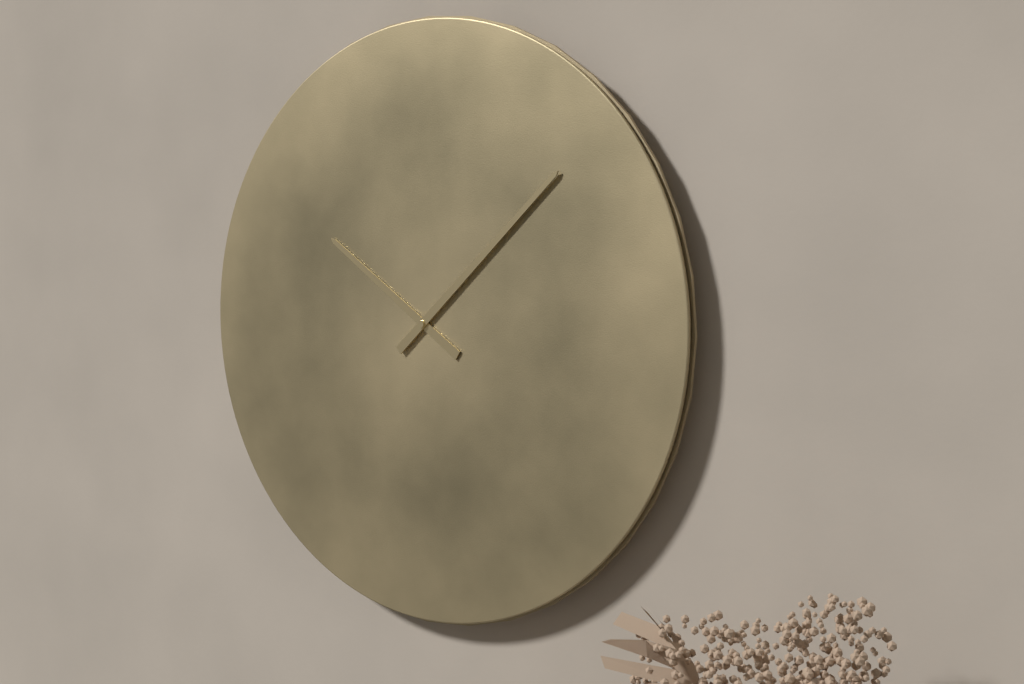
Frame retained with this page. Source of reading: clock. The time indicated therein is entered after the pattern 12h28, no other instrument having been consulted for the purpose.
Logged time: 10h08
